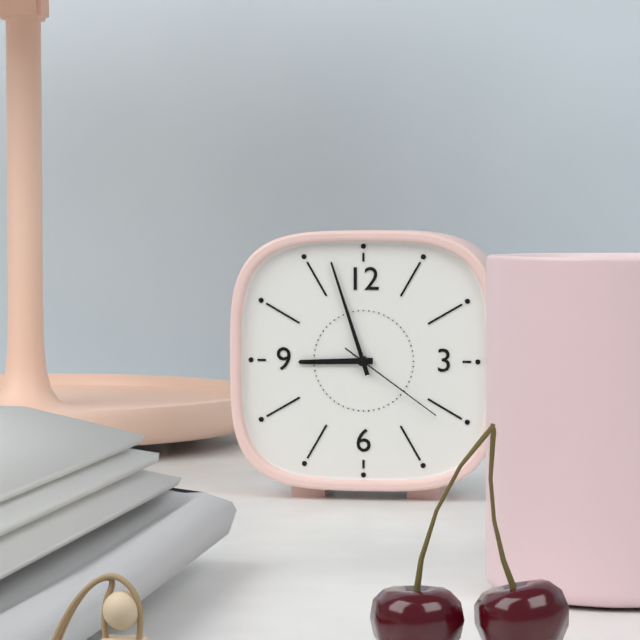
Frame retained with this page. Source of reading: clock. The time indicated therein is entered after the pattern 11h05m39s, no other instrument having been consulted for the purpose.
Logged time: 8h57m21s
